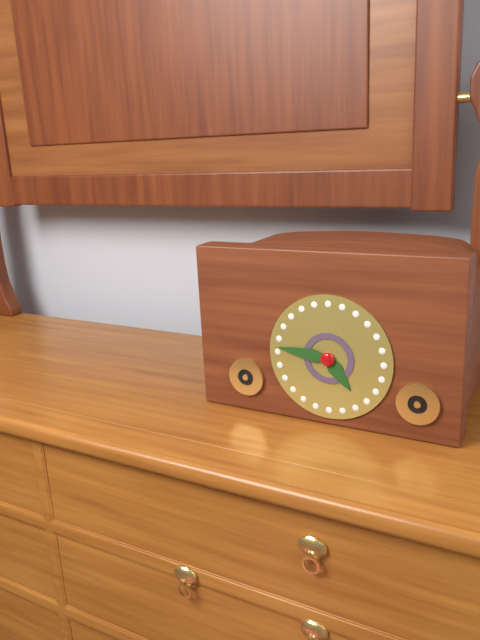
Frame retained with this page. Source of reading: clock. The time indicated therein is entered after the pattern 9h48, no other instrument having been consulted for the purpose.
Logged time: 4h46
